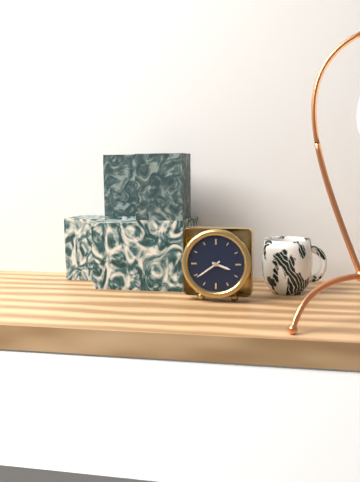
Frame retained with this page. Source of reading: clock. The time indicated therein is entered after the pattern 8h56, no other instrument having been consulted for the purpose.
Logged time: 3h39
